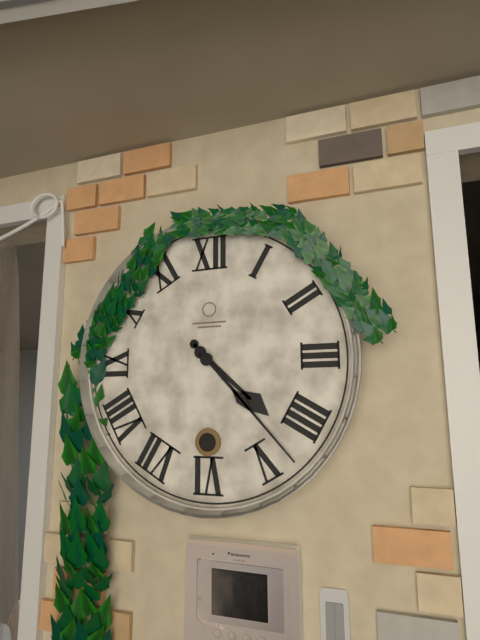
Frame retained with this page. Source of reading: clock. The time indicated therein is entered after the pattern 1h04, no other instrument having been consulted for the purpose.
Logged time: 4h23
